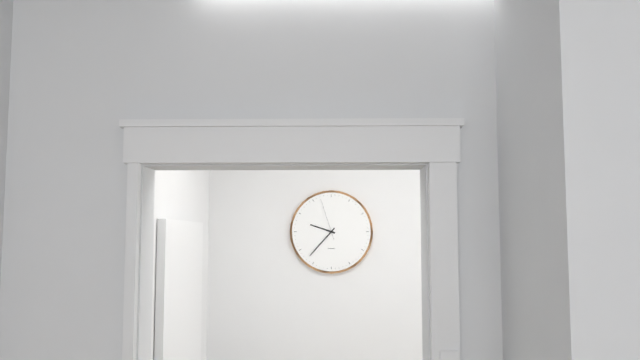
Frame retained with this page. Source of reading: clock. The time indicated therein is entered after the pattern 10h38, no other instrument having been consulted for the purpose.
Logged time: 9h37
